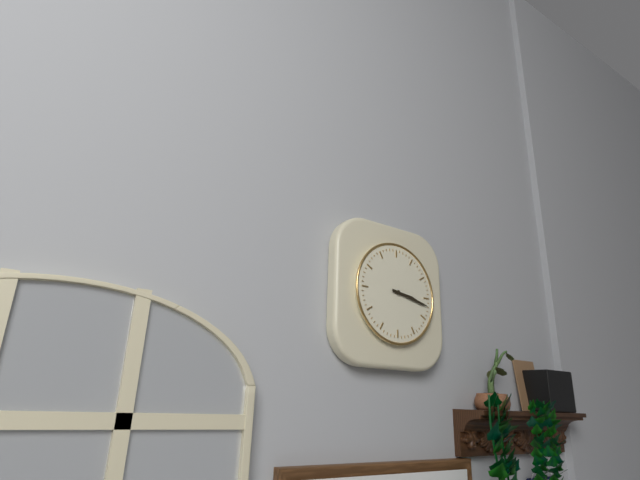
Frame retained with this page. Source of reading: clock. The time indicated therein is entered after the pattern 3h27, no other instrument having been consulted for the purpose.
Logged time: 3h17
